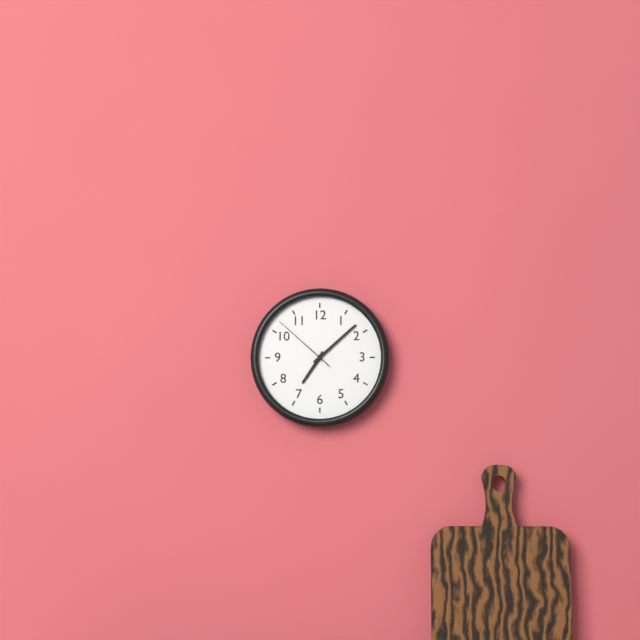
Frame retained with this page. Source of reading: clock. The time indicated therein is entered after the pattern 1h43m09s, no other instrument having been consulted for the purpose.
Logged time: 7h08m52s
